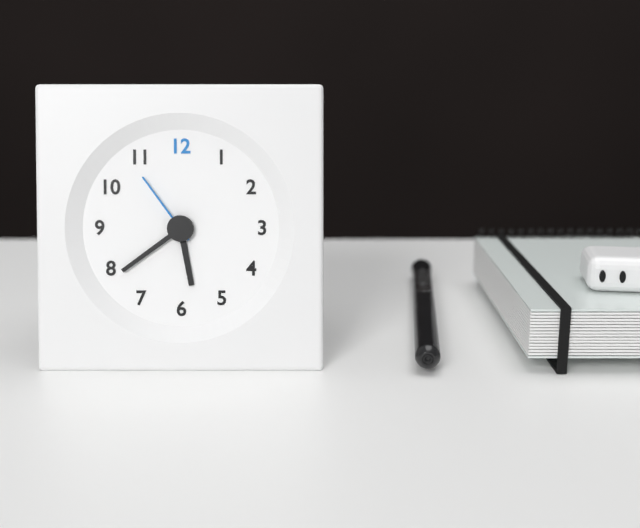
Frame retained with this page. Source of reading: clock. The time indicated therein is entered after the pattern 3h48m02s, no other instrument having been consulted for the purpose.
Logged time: 5h39m54s
